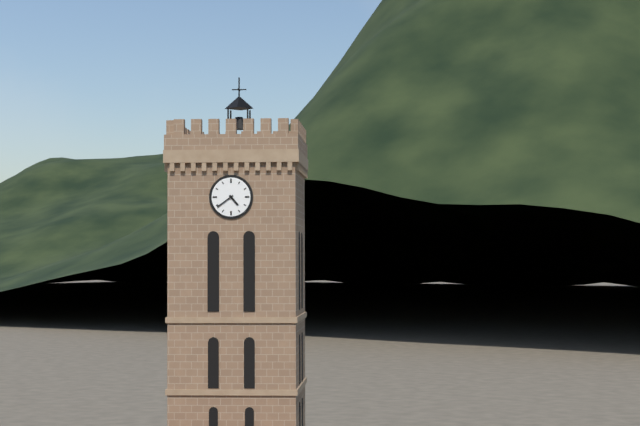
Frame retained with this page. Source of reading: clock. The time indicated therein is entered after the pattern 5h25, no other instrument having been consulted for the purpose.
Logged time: 4h39
